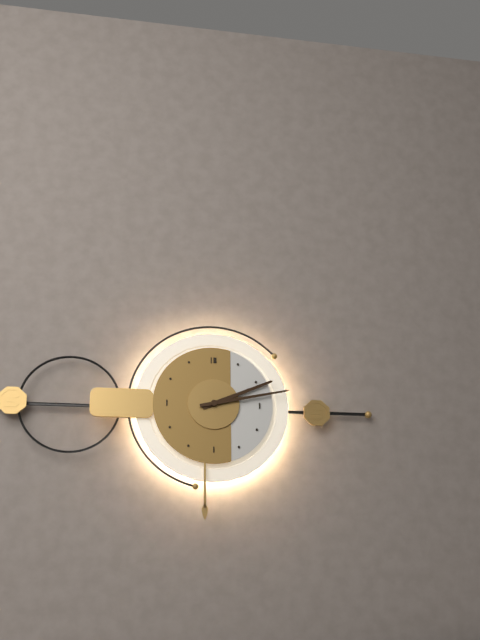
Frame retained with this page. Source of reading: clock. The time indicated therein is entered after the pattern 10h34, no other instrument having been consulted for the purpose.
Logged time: 2h13
